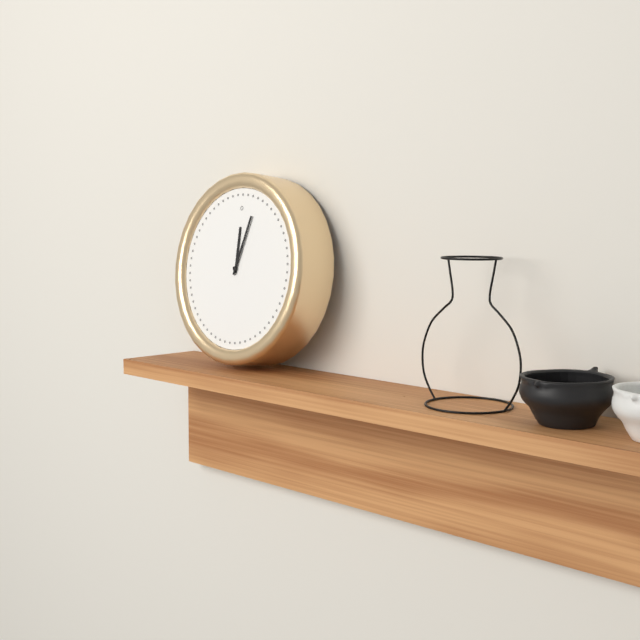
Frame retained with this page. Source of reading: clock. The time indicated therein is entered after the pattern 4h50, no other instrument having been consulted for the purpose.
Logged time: 12h03
